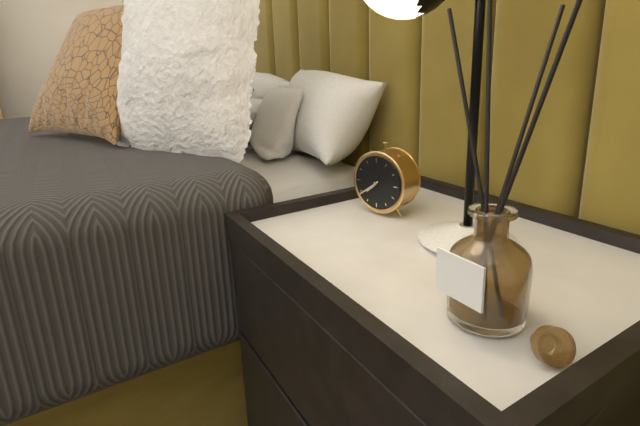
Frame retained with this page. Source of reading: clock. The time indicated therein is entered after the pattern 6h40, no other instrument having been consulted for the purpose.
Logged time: 7h39
